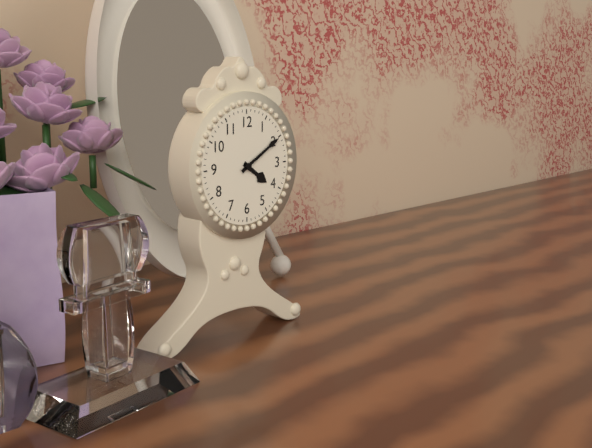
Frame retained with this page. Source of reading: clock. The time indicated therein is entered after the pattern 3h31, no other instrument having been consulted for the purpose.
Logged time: 4h10
